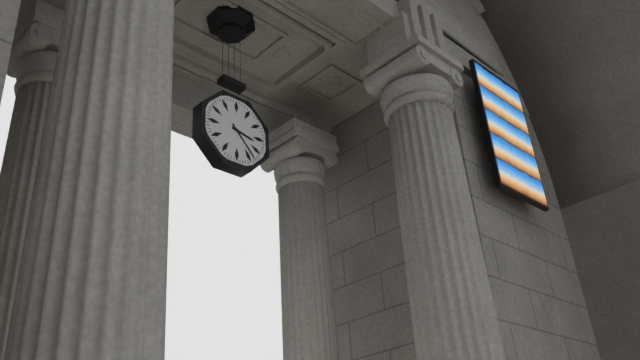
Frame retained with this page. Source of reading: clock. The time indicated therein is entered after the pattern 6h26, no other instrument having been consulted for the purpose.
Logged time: 3h23
